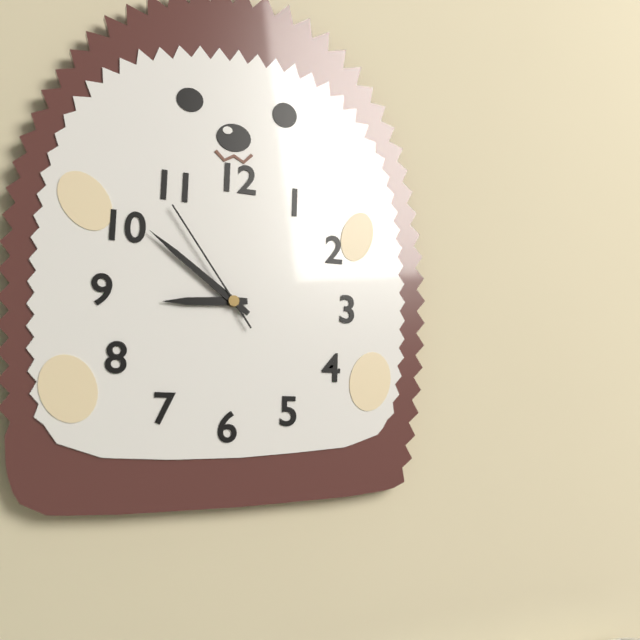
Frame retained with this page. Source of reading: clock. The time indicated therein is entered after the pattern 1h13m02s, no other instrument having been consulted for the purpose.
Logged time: 8h51m54s
